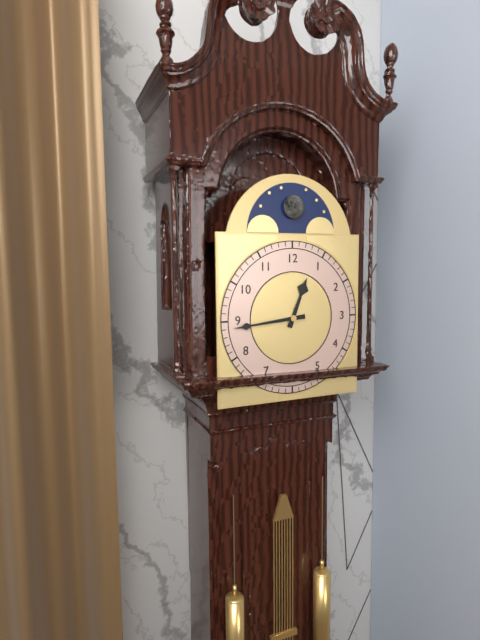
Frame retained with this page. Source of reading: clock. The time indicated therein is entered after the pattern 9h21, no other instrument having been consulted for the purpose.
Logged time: 12h44
